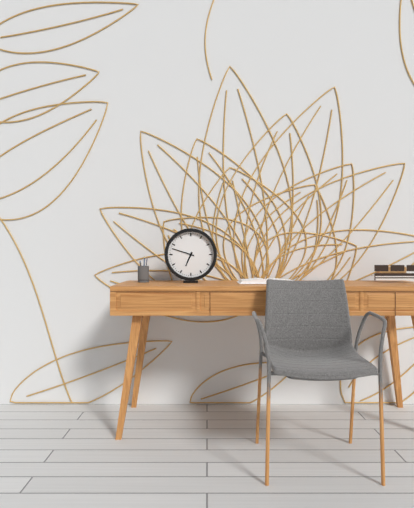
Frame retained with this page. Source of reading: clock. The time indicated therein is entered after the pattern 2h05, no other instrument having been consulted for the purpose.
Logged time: 6h48
